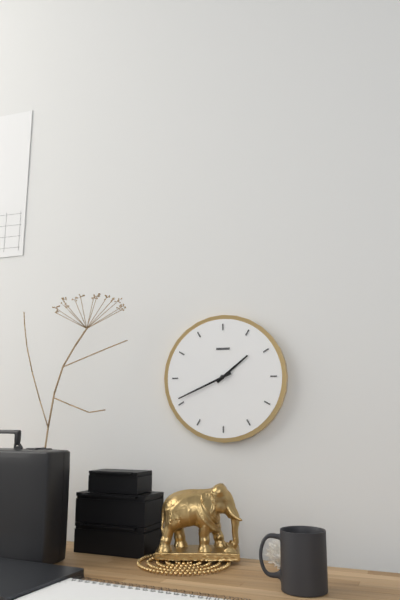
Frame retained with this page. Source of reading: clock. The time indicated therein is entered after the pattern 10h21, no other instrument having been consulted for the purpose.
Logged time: 1h41
